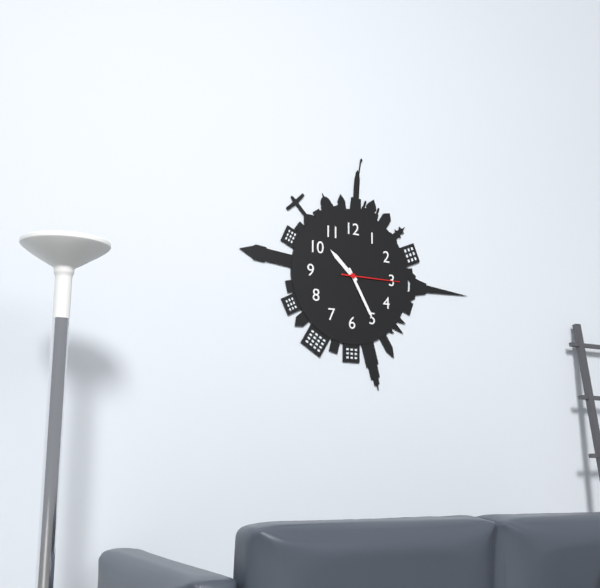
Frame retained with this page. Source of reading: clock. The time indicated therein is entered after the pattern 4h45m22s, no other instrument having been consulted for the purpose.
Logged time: 10h25m15s
